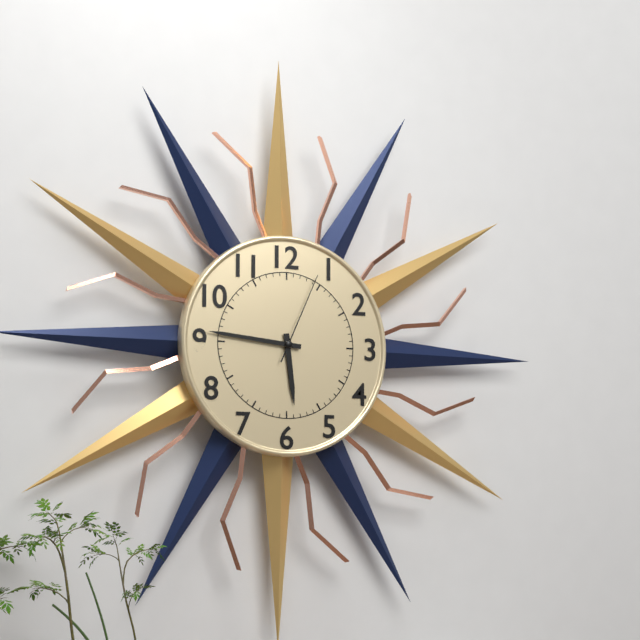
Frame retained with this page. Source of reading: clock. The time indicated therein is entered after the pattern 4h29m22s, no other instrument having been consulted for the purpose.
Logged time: 5h46m04s
